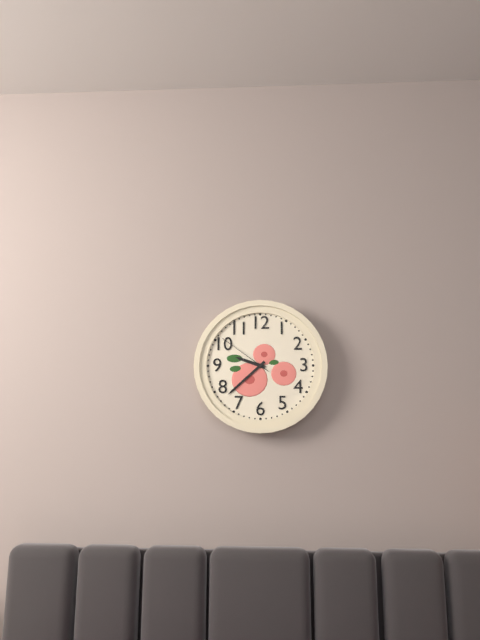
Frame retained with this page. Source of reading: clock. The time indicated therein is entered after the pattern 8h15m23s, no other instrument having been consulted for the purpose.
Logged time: 9h38m51s
